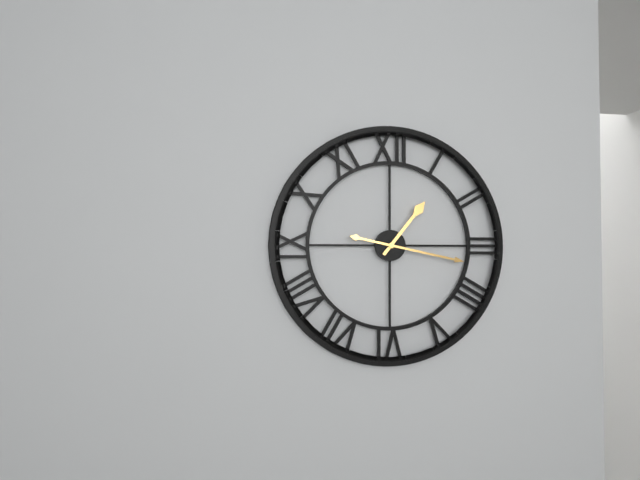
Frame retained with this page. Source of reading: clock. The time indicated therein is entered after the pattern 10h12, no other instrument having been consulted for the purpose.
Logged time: 1h17
